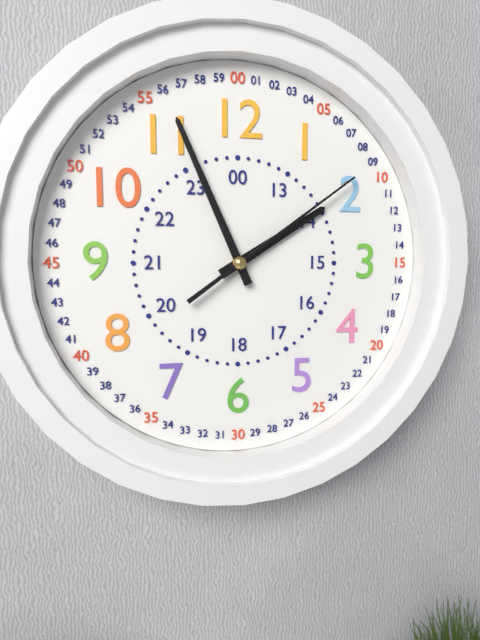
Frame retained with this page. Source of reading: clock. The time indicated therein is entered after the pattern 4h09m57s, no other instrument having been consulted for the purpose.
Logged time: 1h56m09s
